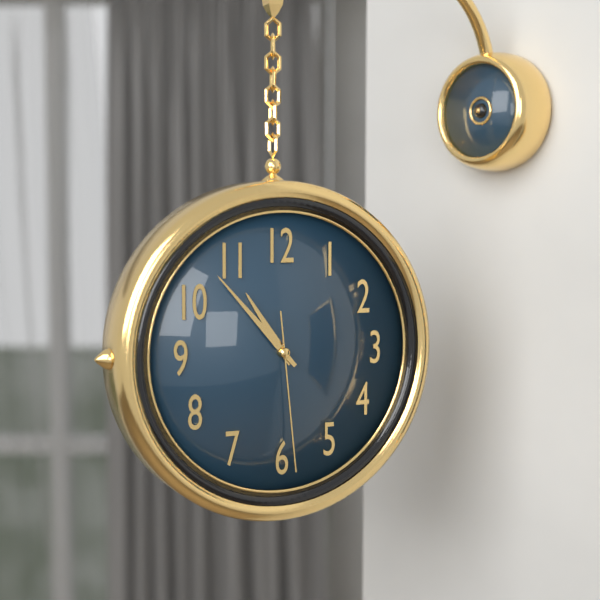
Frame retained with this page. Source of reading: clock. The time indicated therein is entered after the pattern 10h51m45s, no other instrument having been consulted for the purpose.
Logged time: 10h53m29s
